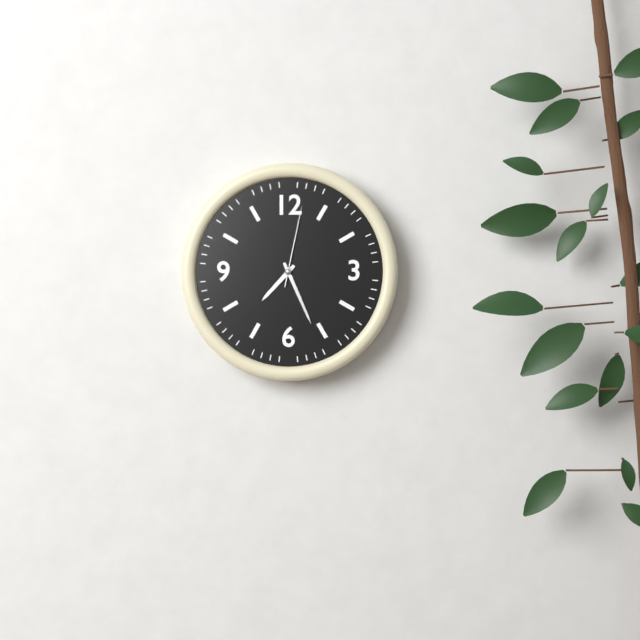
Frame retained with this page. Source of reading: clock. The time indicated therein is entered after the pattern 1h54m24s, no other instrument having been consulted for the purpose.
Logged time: 7h26m02s
